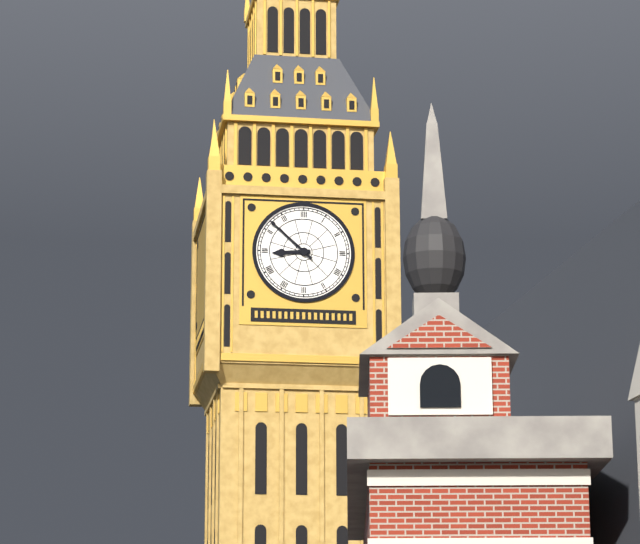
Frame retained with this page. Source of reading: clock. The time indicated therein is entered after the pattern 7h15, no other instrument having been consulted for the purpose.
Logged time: 8h52
